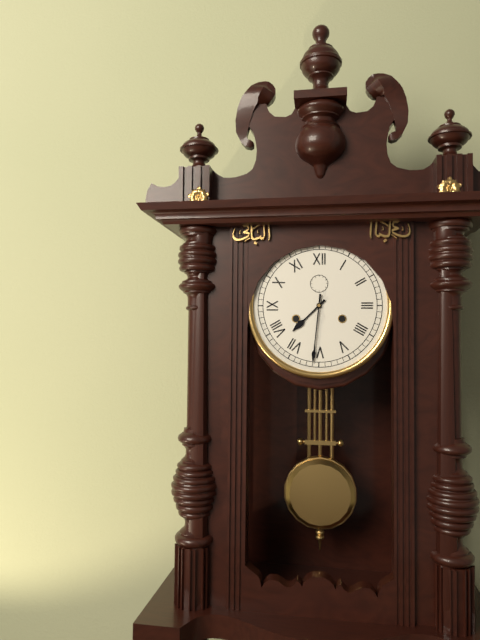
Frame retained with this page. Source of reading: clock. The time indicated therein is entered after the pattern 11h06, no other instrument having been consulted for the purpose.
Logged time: 7h31
